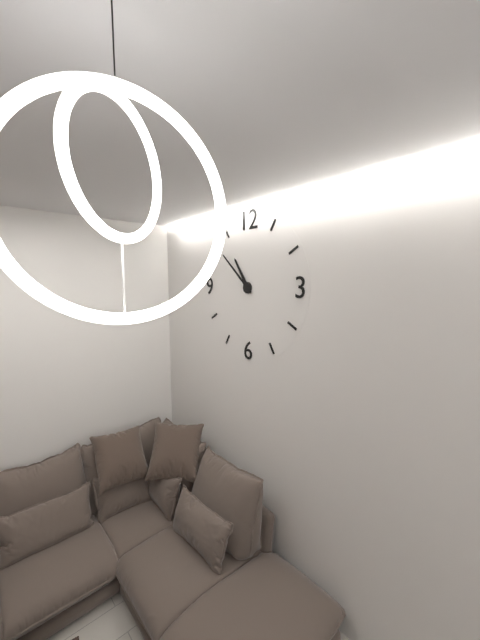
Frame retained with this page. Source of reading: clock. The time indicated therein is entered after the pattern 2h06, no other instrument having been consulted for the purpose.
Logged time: 10h52
